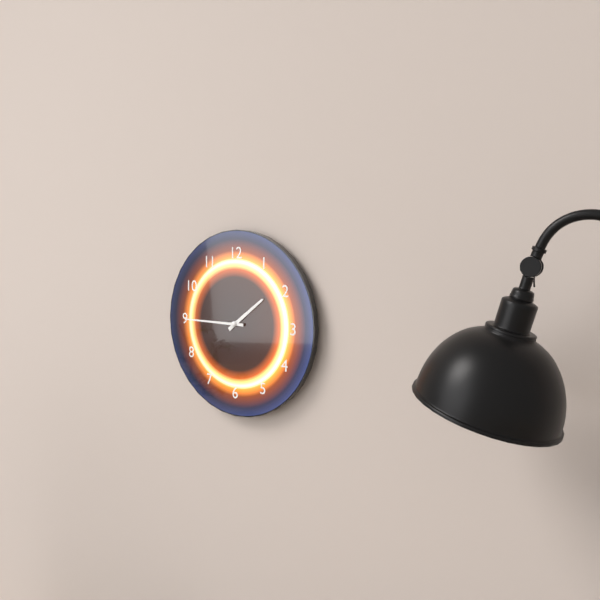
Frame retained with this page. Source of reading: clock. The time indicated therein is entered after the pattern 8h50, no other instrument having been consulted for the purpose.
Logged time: 1h45
